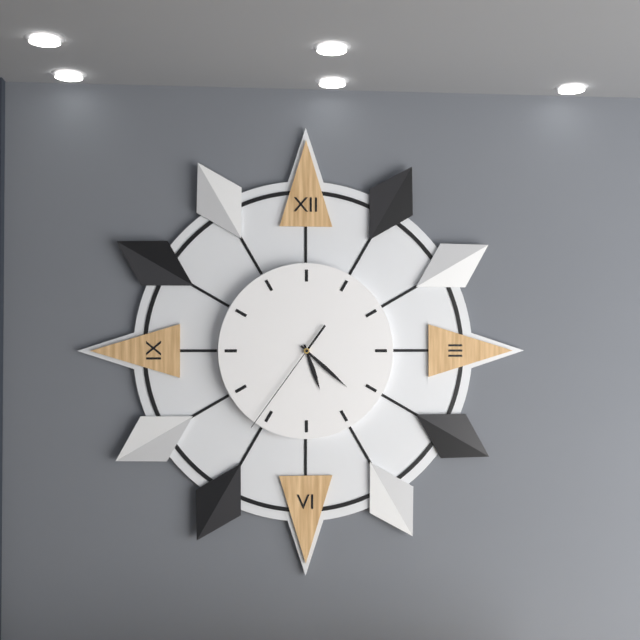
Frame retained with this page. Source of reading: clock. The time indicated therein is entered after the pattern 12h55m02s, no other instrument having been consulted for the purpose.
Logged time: 5h22m36s
